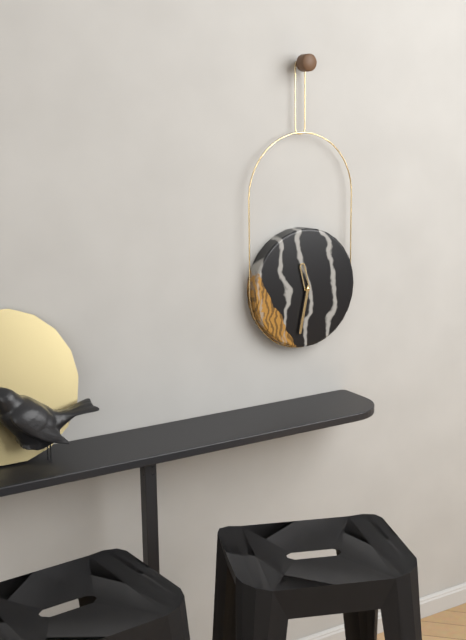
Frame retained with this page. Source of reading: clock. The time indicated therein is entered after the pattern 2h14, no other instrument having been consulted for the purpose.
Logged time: 11h32
